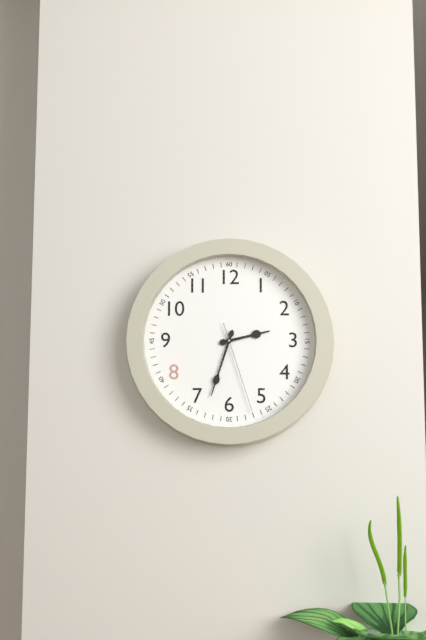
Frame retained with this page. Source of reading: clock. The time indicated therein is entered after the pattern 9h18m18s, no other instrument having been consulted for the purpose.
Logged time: 2h33m27s
